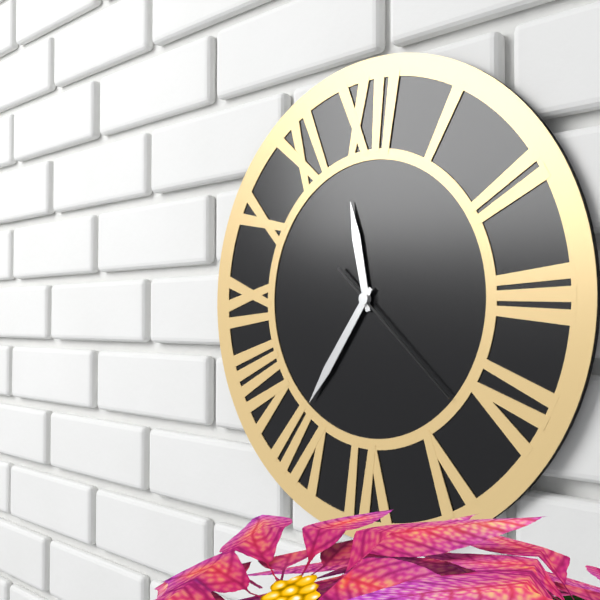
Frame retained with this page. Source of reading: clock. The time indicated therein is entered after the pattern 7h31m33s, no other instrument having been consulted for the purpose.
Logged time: 11h36m22s
